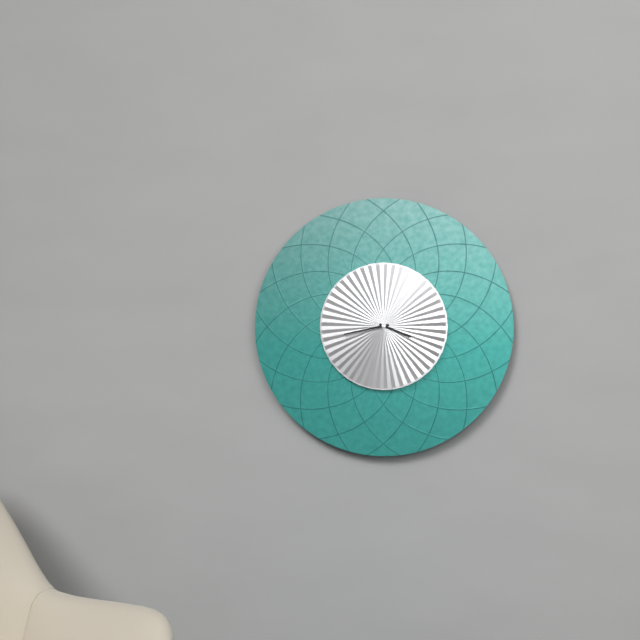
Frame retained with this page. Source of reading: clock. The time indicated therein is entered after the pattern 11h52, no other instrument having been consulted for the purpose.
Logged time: 3h43
